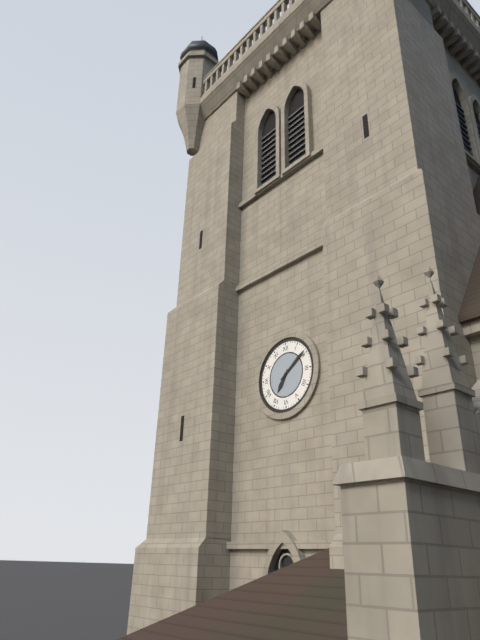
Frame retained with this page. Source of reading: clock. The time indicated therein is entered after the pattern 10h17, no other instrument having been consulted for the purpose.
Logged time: 7h09
